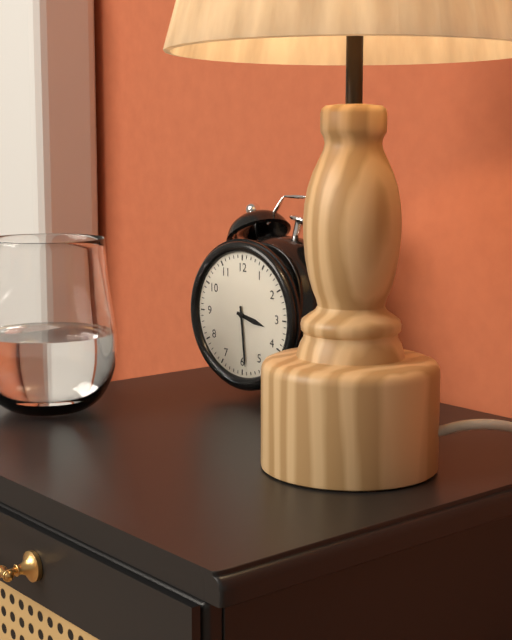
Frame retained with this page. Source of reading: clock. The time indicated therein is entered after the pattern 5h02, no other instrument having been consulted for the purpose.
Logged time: 3h29
